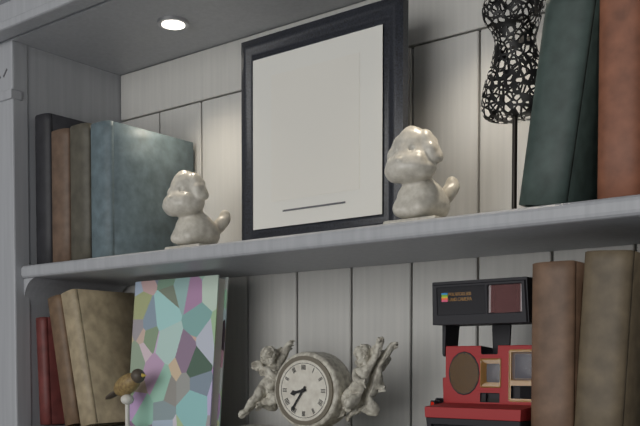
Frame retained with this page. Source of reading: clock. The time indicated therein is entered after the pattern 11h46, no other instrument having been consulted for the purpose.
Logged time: 8h36
